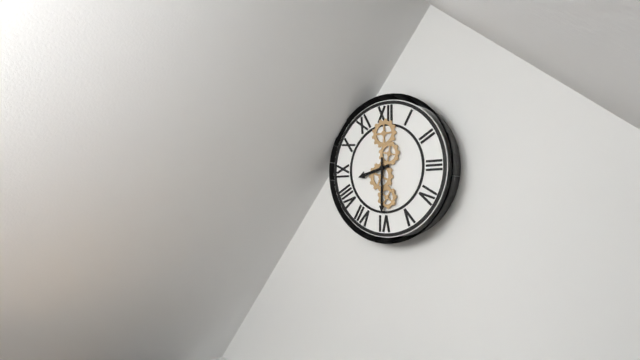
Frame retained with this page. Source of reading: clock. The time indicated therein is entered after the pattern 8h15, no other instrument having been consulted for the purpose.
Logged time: 8h30
